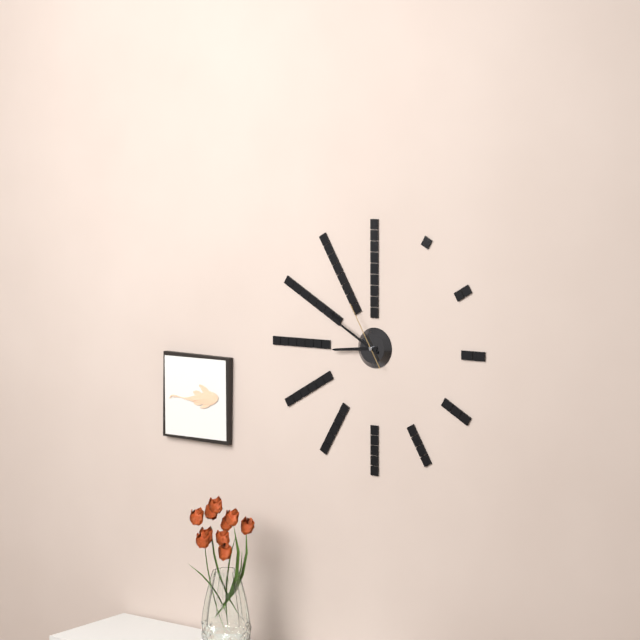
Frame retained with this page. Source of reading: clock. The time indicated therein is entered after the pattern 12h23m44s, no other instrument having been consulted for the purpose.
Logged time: 8h50m55s
